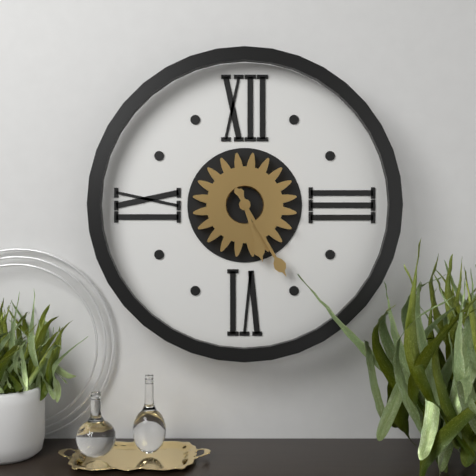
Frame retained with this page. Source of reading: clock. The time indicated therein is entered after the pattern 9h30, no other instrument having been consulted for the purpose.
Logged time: 5h25
